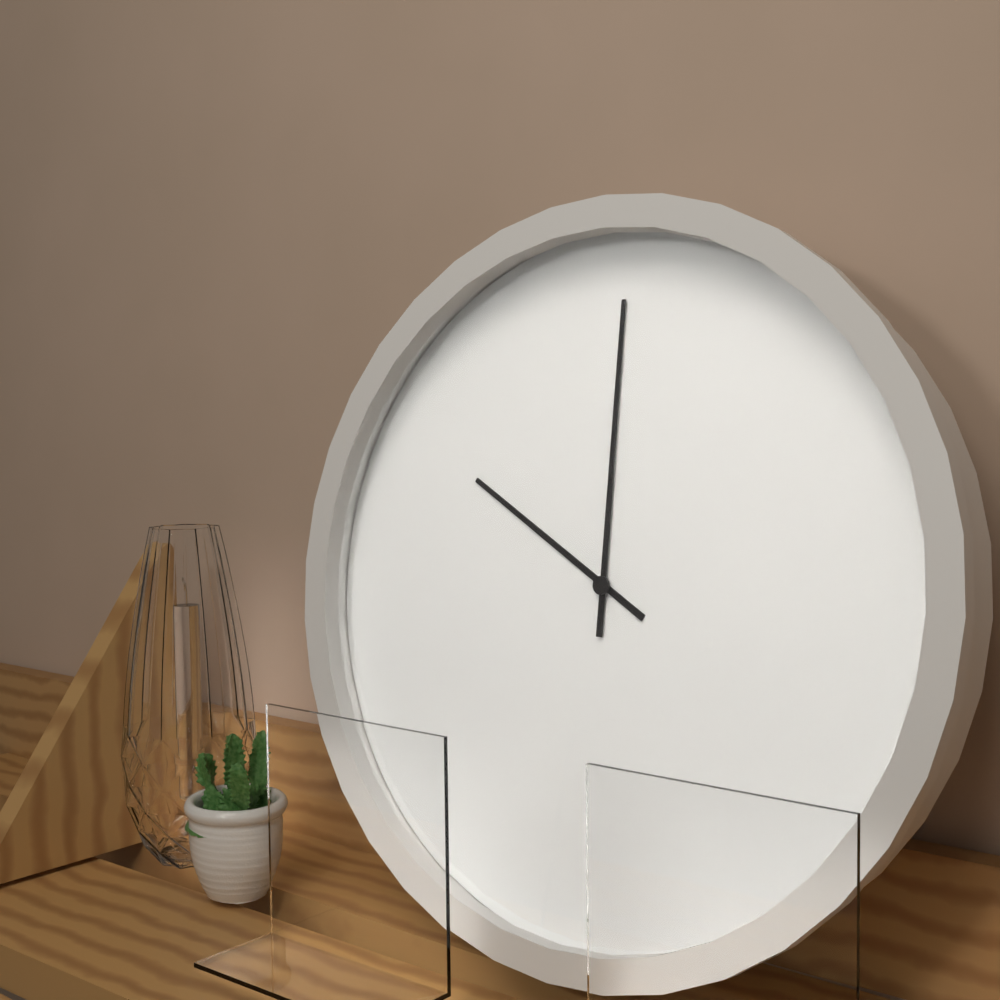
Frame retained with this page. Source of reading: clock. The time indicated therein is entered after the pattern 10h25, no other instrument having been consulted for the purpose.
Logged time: 10h00
